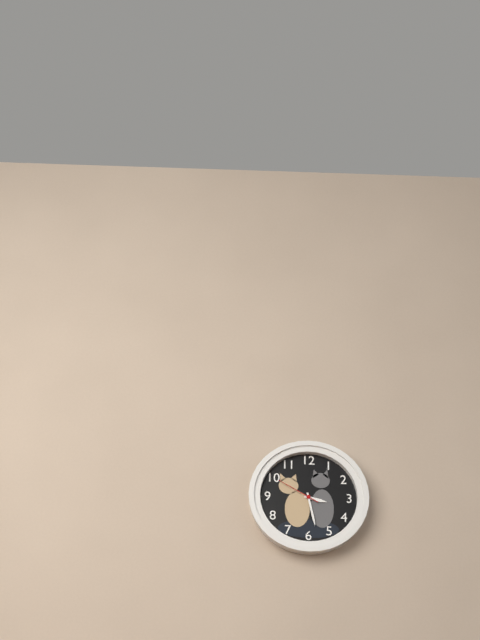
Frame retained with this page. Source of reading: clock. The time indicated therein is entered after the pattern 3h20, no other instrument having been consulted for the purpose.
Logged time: 3h28
